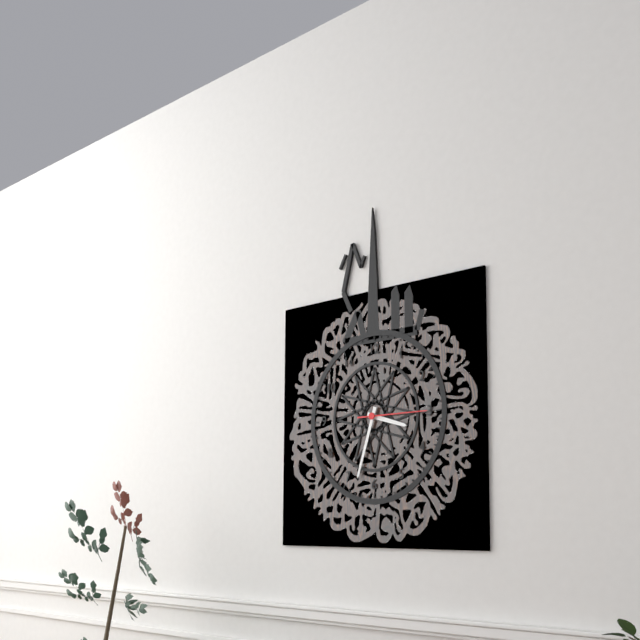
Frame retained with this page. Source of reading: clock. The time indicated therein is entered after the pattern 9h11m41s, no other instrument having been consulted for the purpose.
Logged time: 3h33m15s
